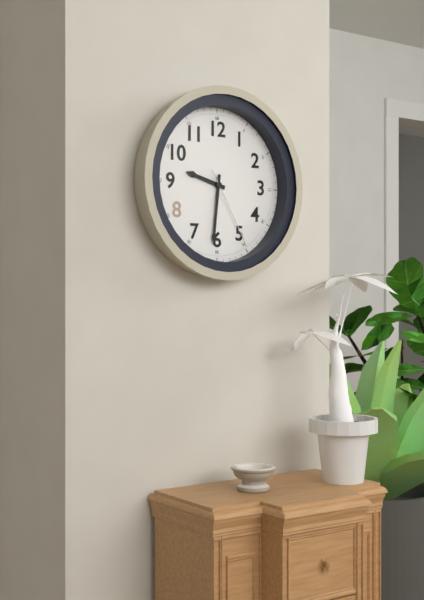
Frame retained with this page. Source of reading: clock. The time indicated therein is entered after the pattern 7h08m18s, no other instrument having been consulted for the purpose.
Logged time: 9h31m25s
